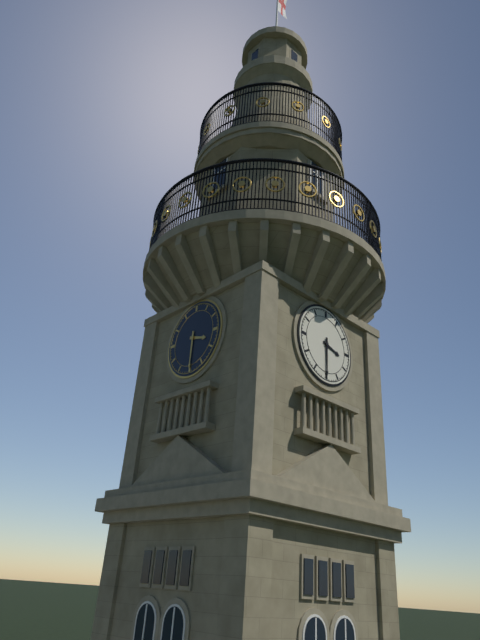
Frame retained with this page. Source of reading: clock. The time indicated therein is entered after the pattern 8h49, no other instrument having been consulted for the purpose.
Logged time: 3h30
